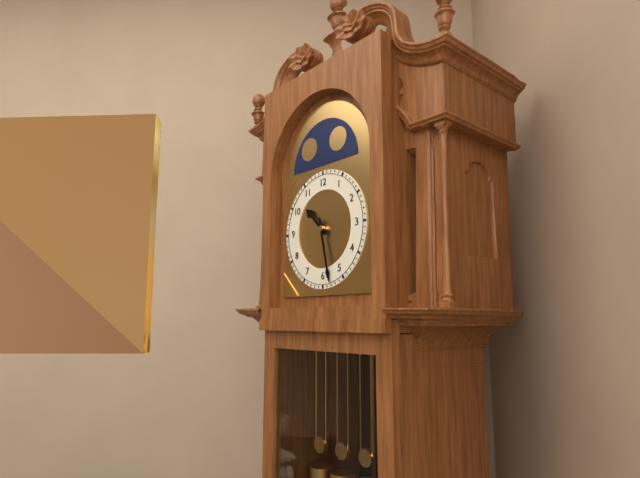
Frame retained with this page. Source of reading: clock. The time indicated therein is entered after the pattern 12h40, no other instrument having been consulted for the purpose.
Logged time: 10h28
